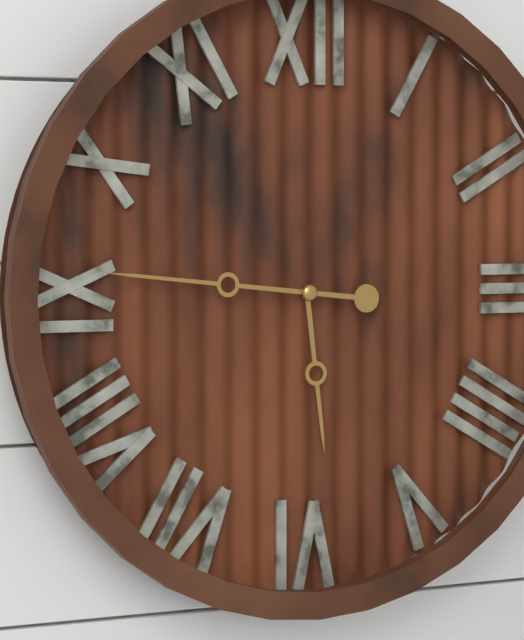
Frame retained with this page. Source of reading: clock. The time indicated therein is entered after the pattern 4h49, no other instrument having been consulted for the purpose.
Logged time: 5h46
